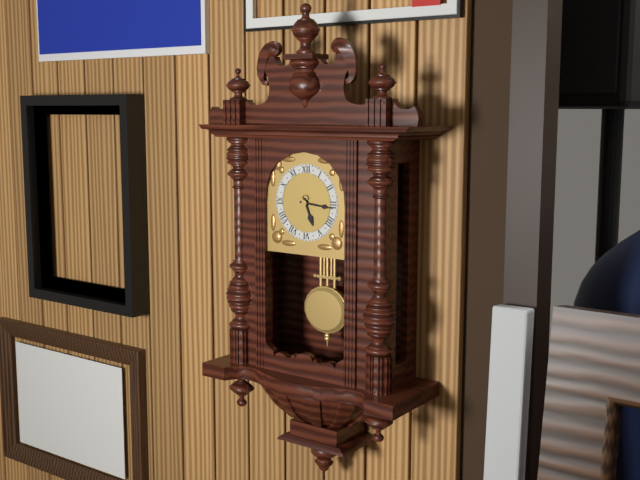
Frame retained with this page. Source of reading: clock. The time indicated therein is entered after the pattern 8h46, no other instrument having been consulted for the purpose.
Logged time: 5h16
